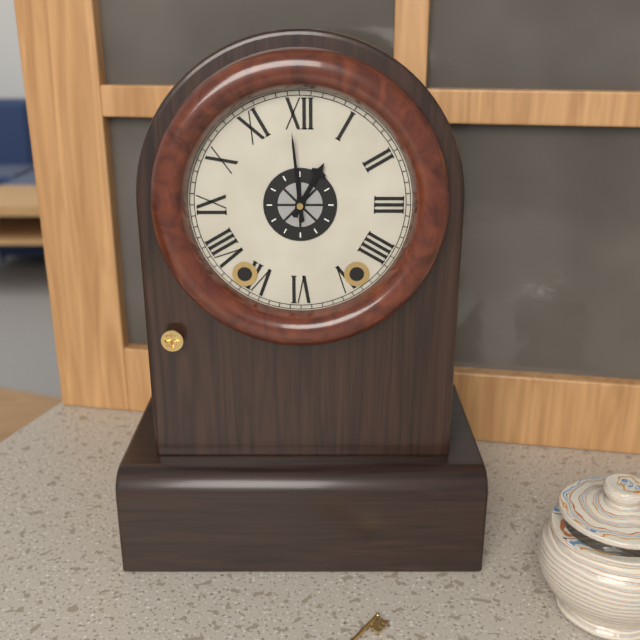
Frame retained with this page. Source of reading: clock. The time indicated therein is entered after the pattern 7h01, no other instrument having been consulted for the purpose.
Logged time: 12h59
